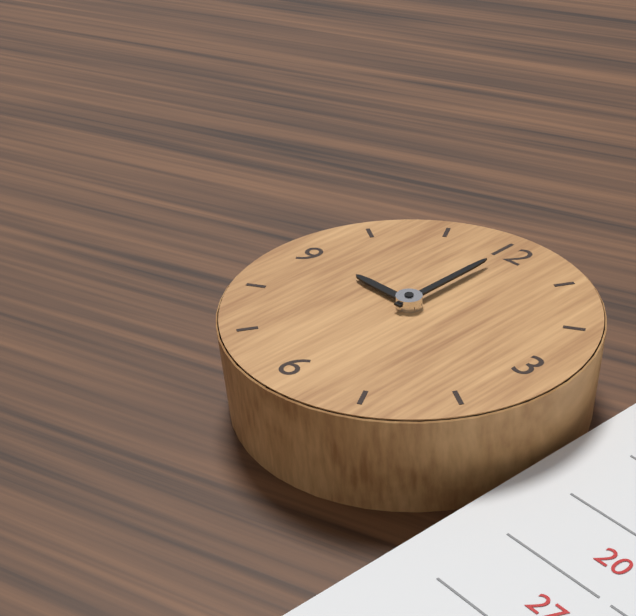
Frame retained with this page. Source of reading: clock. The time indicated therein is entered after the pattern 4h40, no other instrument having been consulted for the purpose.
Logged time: 9h00
